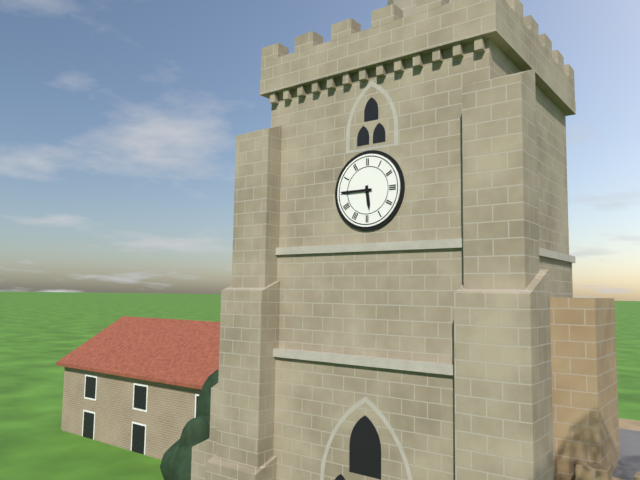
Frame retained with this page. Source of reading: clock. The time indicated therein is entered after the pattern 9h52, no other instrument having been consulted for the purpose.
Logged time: 5h45
